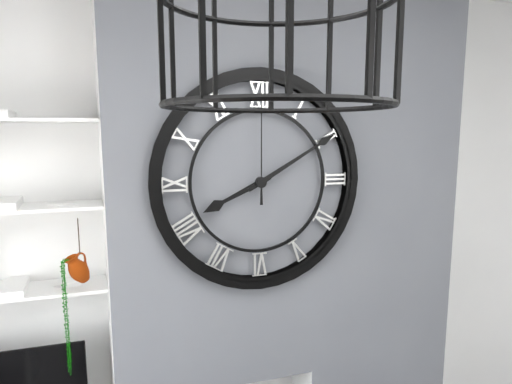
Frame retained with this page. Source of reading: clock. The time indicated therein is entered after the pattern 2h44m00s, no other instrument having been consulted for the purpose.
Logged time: 8h10m00s
